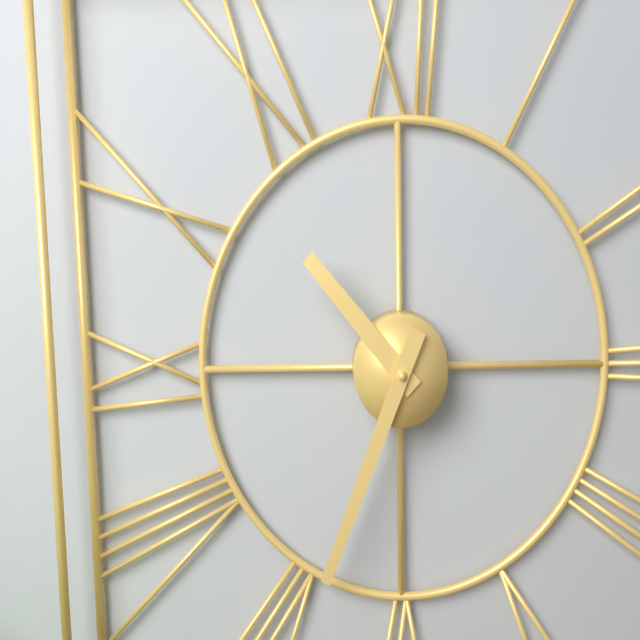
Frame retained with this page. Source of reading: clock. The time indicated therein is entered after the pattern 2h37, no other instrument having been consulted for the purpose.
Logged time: 10h34
